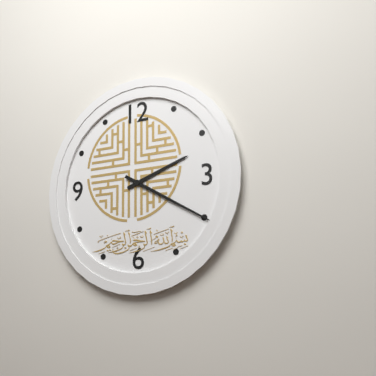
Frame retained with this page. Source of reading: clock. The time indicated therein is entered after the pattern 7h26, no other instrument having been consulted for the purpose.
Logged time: 2h20
